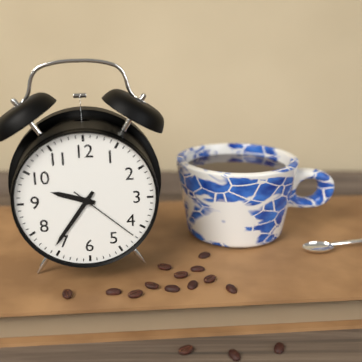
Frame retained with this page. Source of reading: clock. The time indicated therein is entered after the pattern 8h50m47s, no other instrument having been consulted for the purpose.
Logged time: 9h36m22s
